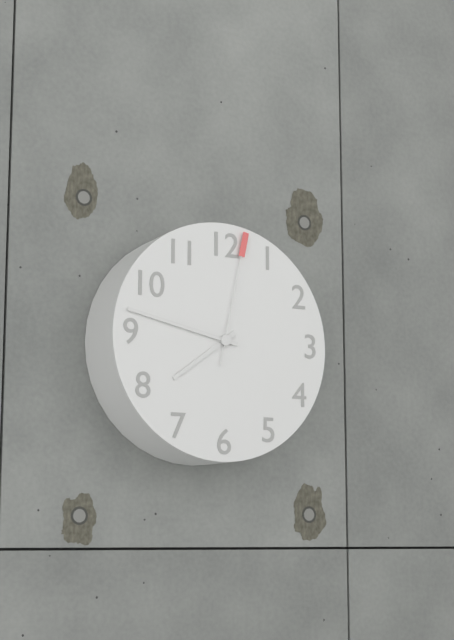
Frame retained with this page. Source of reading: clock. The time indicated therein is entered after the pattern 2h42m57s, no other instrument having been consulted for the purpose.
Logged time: 7h47m02s
